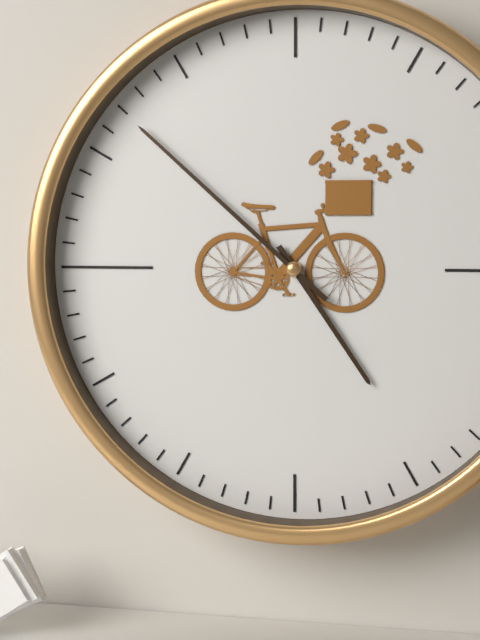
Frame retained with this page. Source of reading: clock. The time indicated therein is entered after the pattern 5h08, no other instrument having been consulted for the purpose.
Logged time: 4h52
